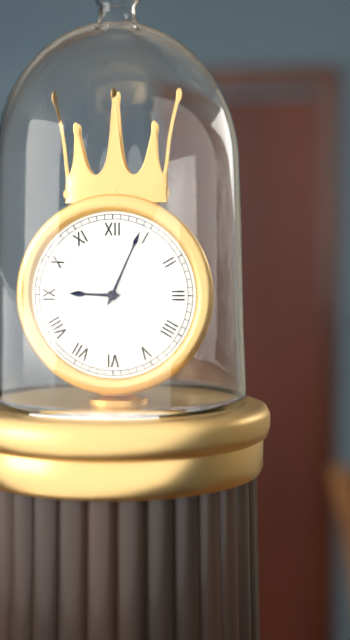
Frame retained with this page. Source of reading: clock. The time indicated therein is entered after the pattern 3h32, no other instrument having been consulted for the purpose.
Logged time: 9h04
